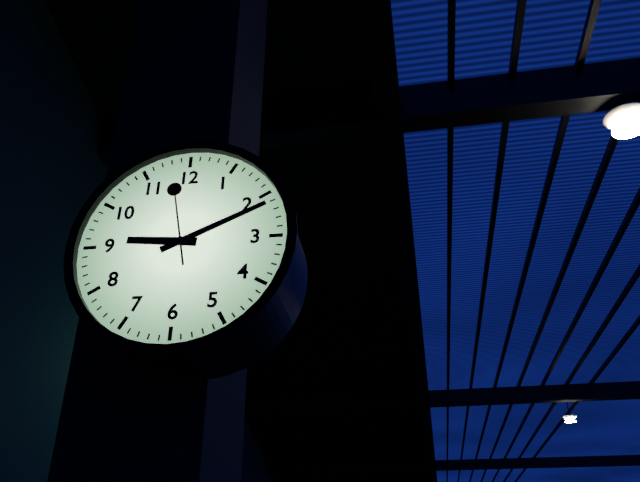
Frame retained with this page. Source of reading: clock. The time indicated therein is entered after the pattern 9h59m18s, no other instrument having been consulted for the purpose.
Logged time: 9h11m58s
